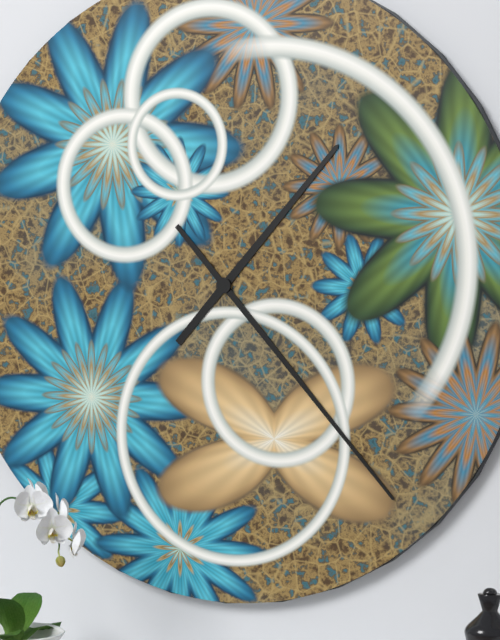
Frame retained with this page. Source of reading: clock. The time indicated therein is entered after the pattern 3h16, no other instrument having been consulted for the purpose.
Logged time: 1h23
